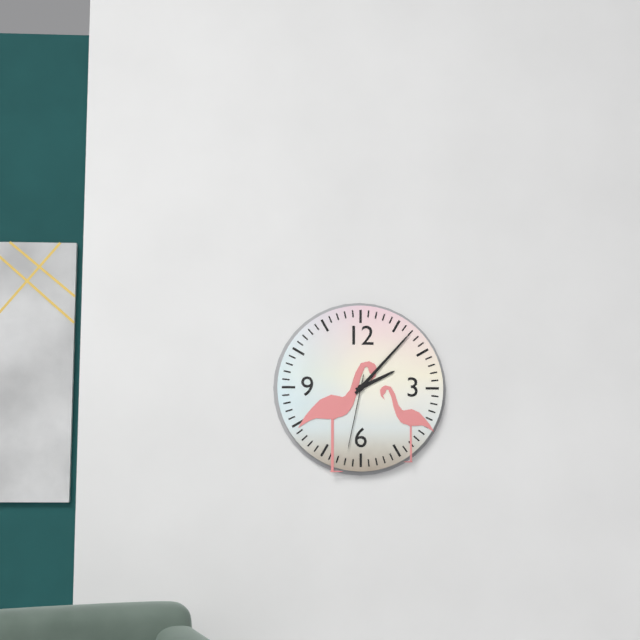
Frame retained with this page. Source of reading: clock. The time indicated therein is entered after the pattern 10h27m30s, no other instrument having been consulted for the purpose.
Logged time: 2h07m32s
